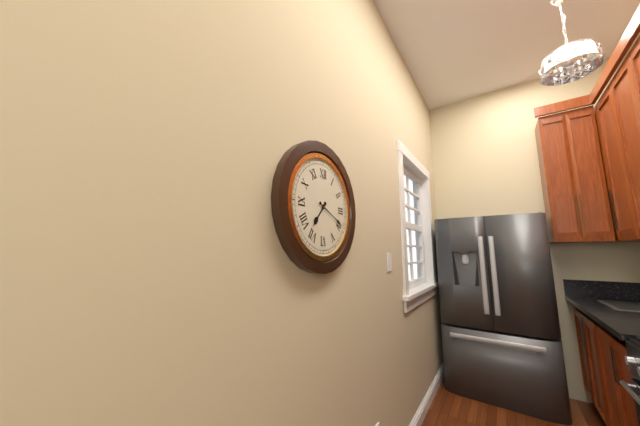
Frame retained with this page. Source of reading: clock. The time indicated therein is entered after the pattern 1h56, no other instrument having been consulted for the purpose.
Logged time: 7h19
